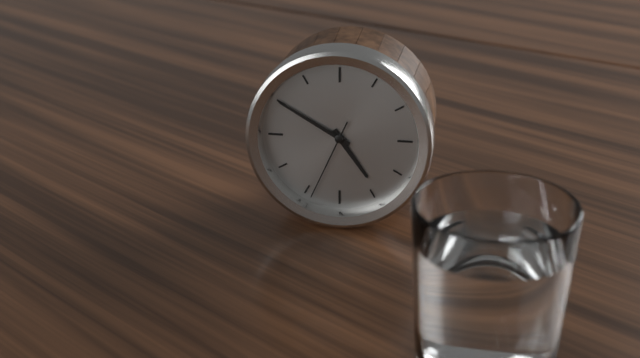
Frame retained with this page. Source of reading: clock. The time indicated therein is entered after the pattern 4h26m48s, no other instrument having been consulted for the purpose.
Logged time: 4h50m34s
